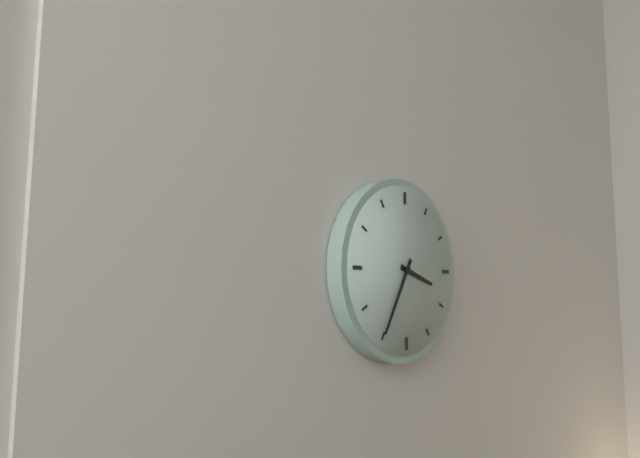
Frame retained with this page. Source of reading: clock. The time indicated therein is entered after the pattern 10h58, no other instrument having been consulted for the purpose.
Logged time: 3h35
